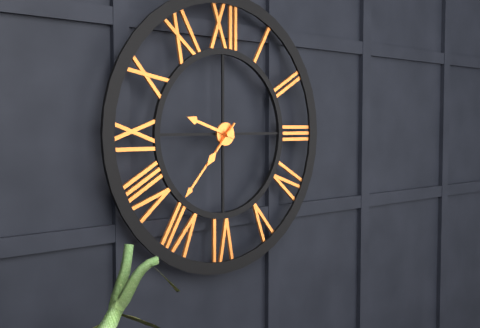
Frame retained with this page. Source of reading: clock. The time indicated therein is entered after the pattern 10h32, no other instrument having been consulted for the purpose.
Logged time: 9h37
